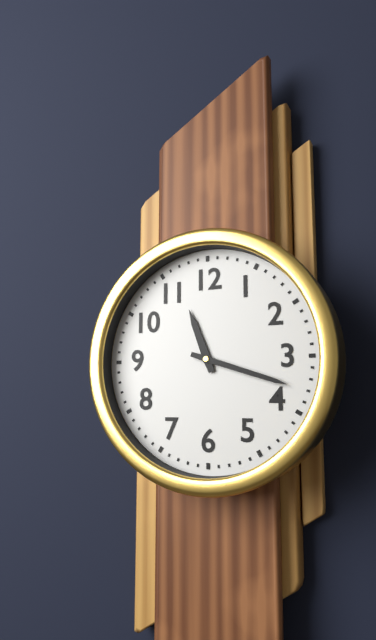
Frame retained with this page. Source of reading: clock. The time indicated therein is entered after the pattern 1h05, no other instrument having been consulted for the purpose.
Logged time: 11h18
